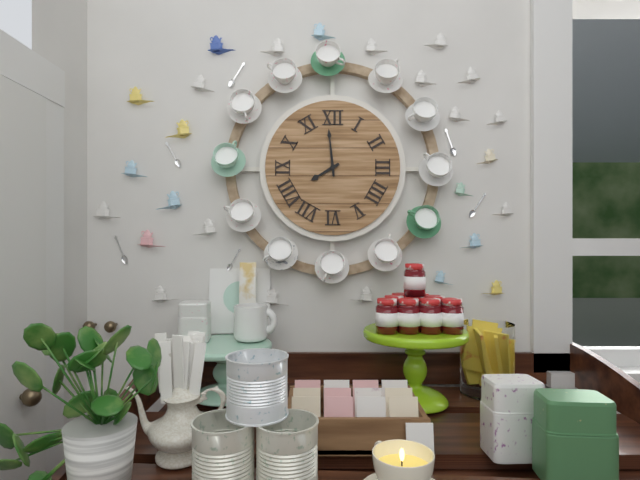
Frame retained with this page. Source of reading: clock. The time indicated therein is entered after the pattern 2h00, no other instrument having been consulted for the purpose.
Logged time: 7h59
